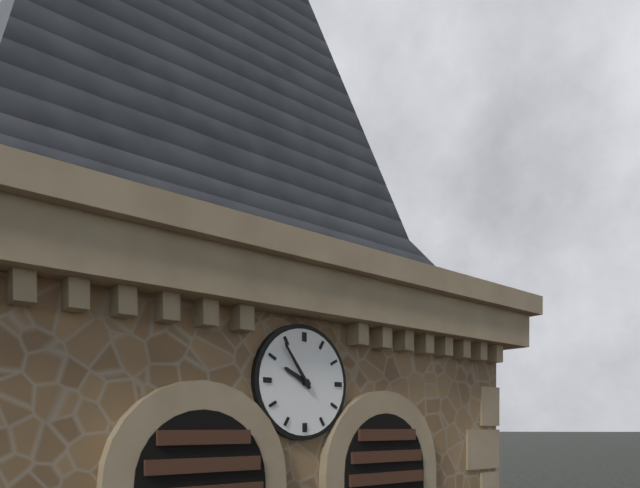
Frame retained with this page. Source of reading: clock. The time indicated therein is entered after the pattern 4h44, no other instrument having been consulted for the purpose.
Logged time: 9h54
